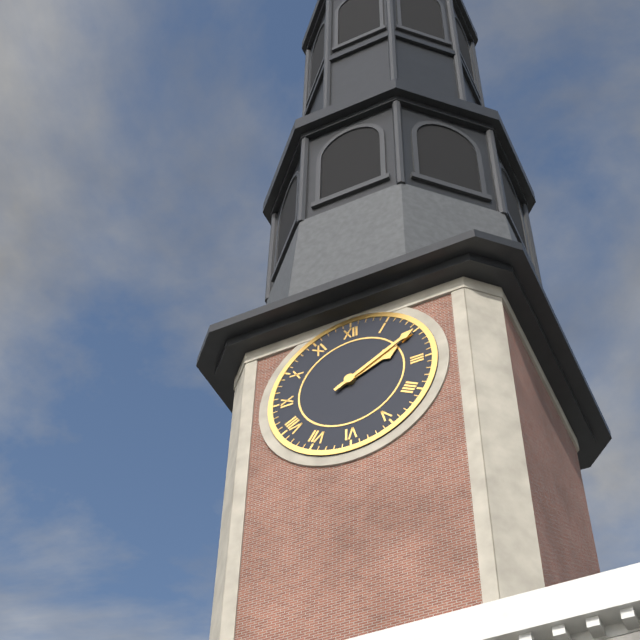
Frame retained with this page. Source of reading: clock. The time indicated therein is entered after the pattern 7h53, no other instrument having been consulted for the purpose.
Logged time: 2h10
